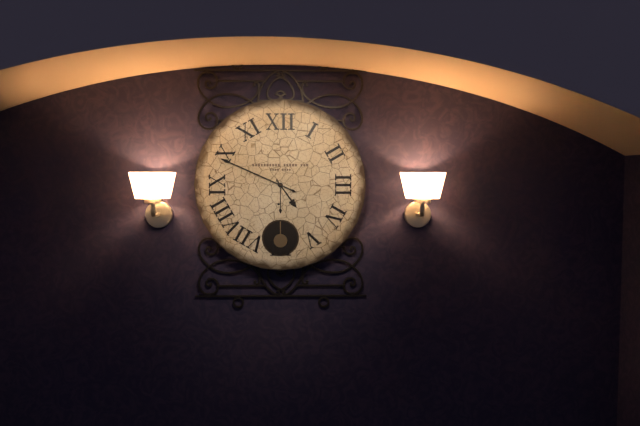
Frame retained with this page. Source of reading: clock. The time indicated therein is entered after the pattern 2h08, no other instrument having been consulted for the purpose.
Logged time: 4h49
